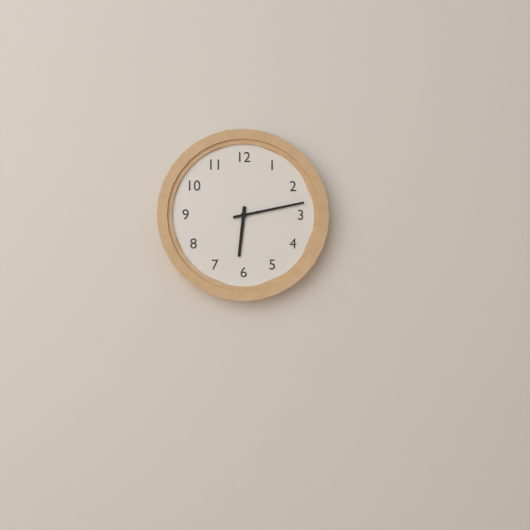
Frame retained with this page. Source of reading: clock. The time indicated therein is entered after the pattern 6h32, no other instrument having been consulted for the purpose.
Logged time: 6h13
